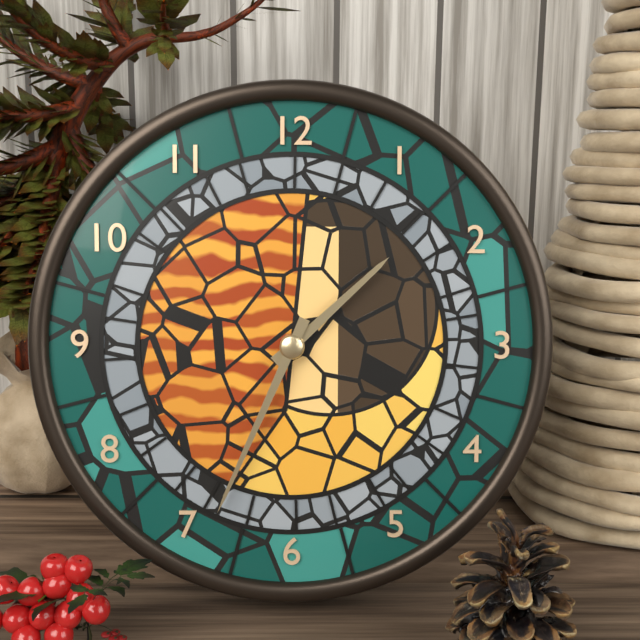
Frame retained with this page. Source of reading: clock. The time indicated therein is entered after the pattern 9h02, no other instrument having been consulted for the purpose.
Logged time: 1h34
